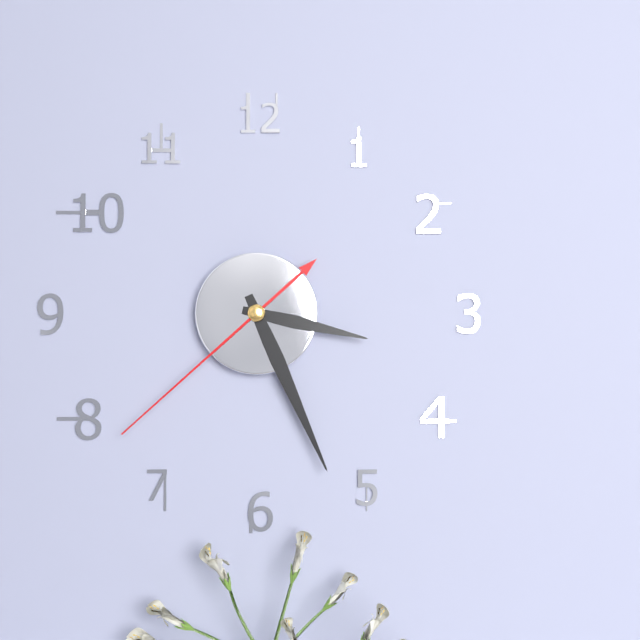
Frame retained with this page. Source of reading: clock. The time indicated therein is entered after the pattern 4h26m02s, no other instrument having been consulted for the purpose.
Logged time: 3h26m38s
